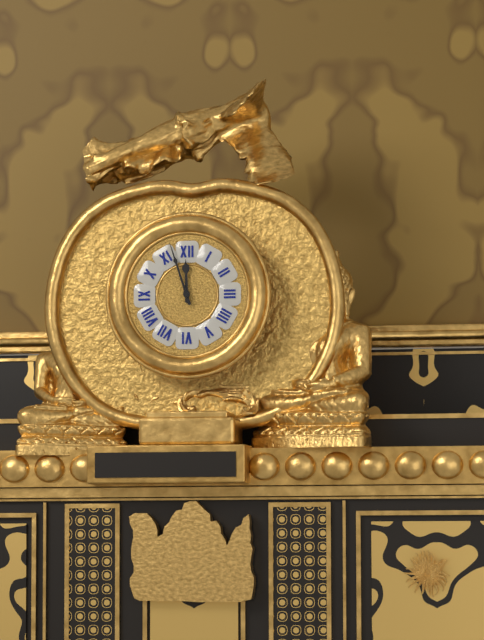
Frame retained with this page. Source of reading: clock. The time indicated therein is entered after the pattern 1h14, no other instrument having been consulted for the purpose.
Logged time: 11h57
